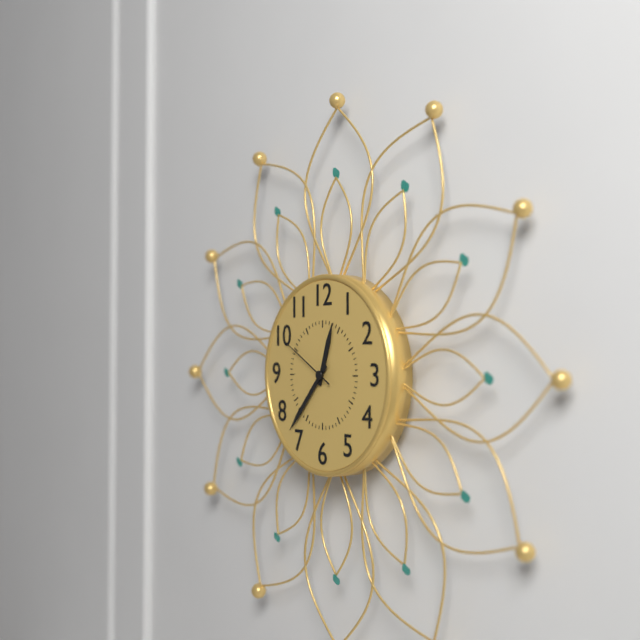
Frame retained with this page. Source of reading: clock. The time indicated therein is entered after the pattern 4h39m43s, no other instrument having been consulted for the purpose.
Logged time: 12h37m50s
